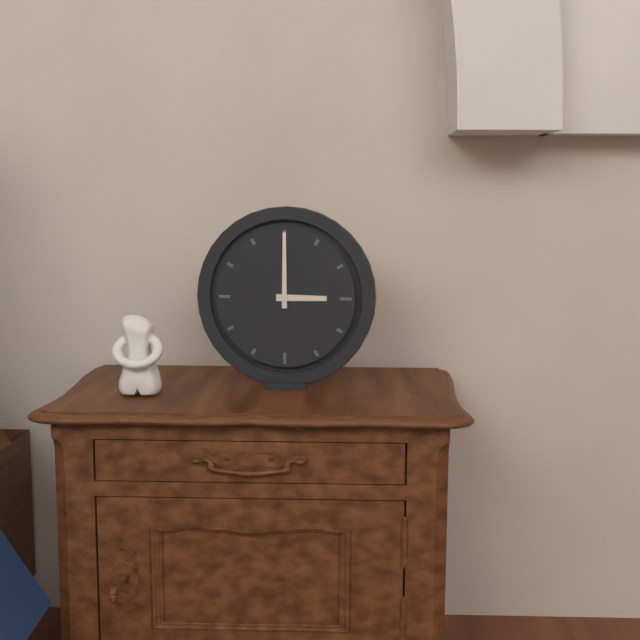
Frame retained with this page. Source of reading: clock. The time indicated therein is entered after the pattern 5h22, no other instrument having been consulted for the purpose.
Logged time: 3h00
